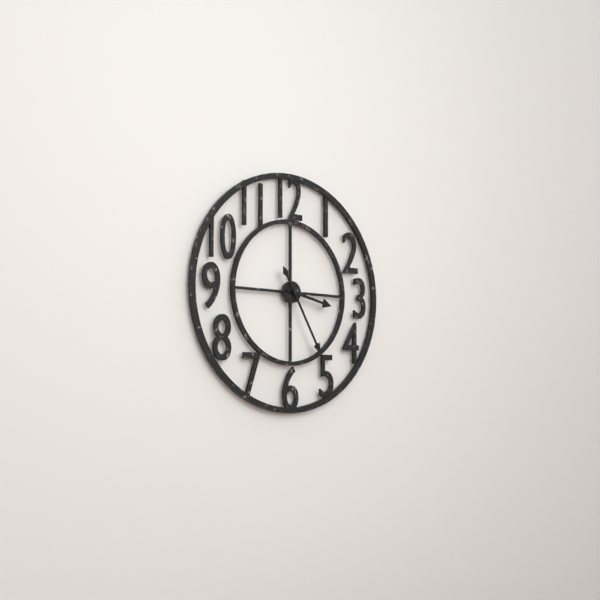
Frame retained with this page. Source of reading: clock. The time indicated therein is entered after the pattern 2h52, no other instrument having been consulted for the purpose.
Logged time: 3h25
